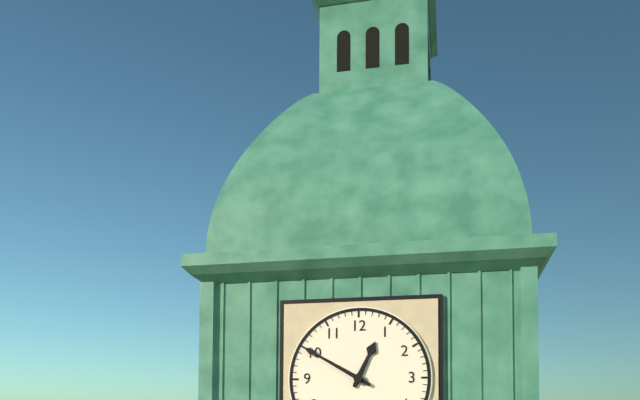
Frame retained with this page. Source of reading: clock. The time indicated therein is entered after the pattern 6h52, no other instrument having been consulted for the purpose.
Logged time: 12h50
